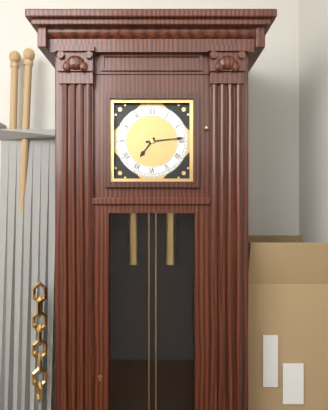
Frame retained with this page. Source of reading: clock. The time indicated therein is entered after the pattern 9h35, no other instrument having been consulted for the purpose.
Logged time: 7h14
